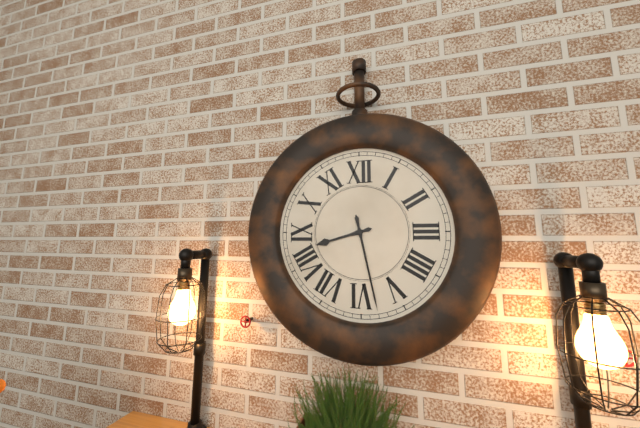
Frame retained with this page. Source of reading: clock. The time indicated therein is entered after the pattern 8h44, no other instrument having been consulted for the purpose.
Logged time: 8h28
